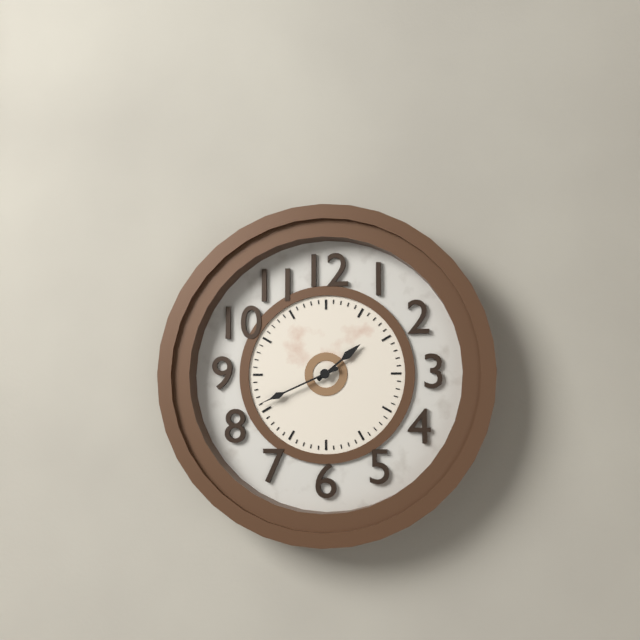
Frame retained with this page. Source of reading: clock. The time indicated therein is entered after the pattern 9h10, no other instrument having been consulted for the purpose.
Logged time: 1h41
